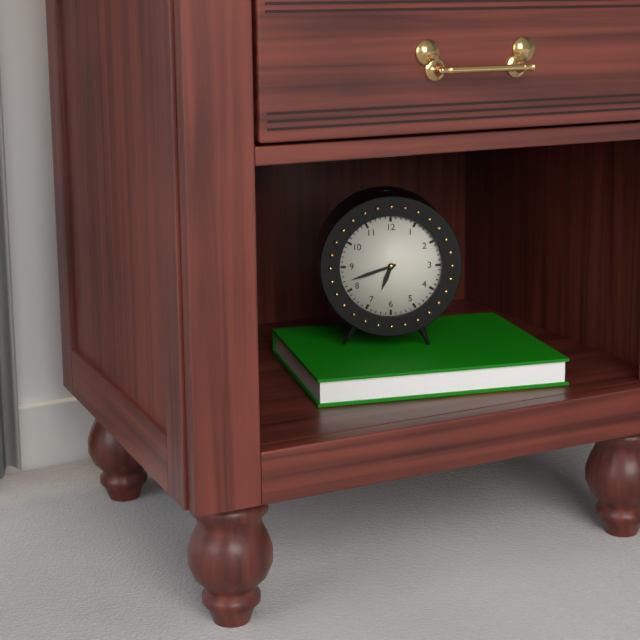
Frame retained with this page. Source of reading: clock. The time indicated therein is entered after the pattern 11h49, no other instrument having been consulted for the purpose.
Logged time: 6h42
